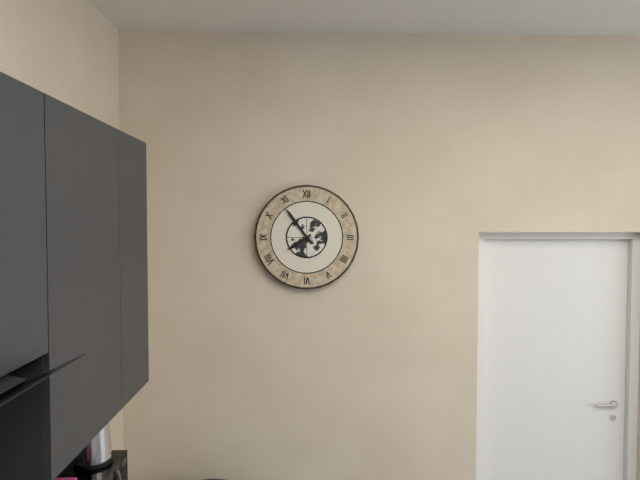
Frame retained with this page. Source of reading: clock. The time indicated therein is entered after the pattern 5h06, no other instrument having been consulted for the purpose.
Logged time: 7h54
